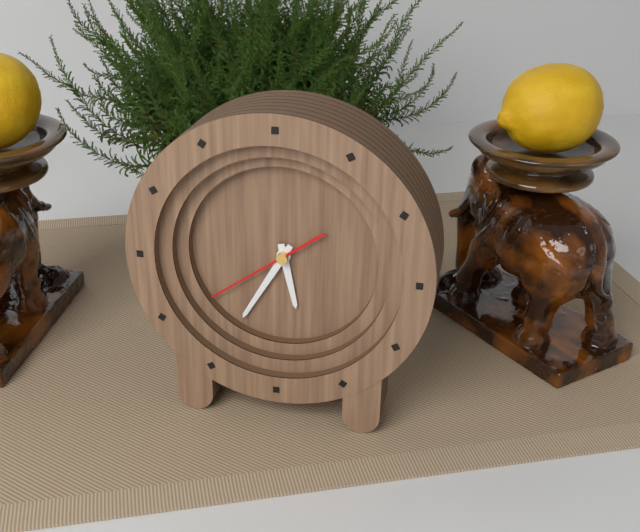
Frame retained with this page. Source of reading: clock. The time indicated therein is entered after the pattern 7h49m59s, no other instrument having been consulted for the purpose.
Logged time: 5h35m39s
